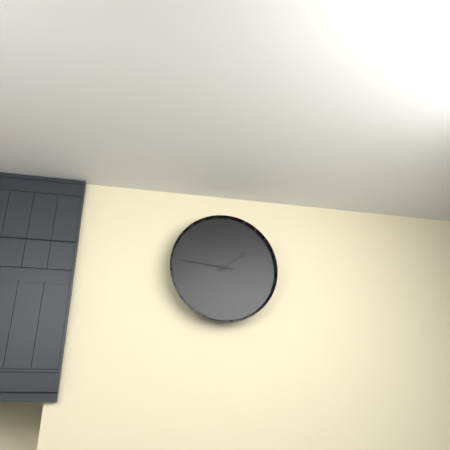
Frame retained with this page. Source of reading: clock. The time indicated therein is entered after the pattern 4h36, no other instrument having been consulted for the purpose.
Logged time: 1h46
